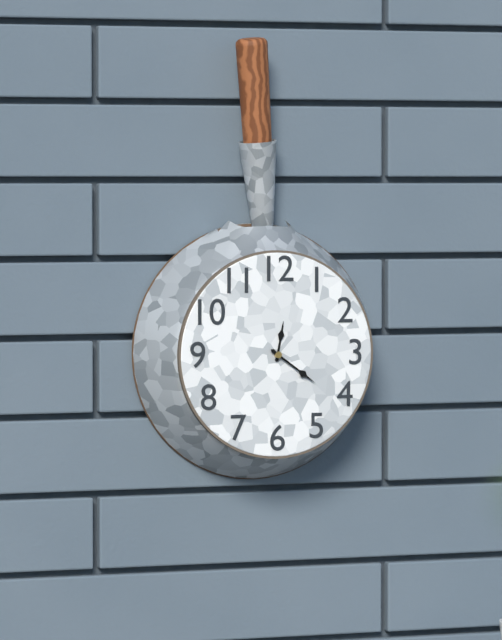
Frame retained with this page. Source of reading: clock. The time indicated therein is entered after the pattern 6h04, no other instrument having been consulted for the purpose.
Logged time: 12h21
